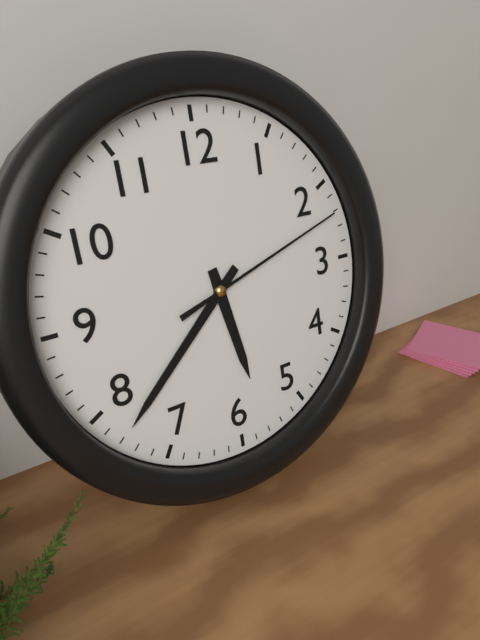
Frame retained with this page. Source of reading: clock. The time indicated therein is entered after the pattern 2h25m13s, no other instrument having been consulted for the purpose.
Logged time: 5h38m12s
